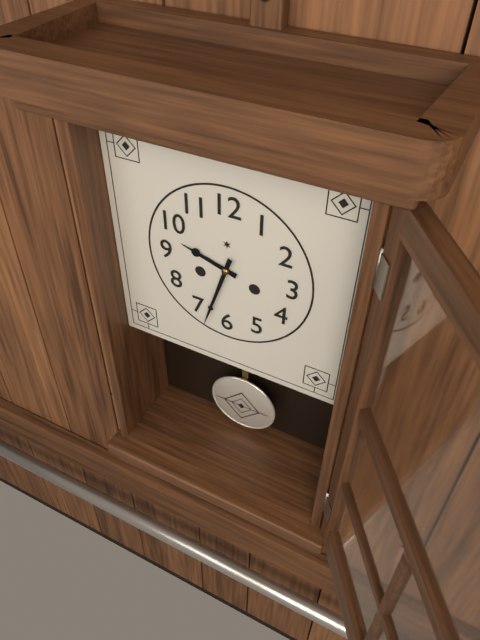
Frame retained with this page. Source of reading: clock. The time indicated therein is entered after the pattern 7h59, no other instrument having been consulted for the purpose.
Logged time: 9h33
